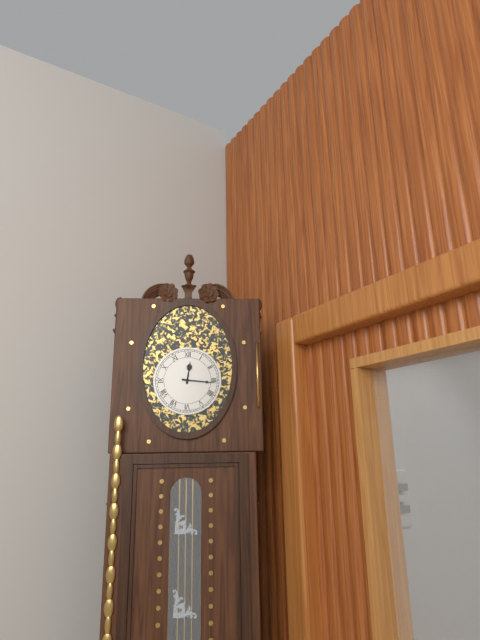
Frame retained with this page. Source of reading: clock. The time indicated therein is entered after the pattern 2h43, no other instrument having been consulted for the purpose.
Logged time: 12h16
